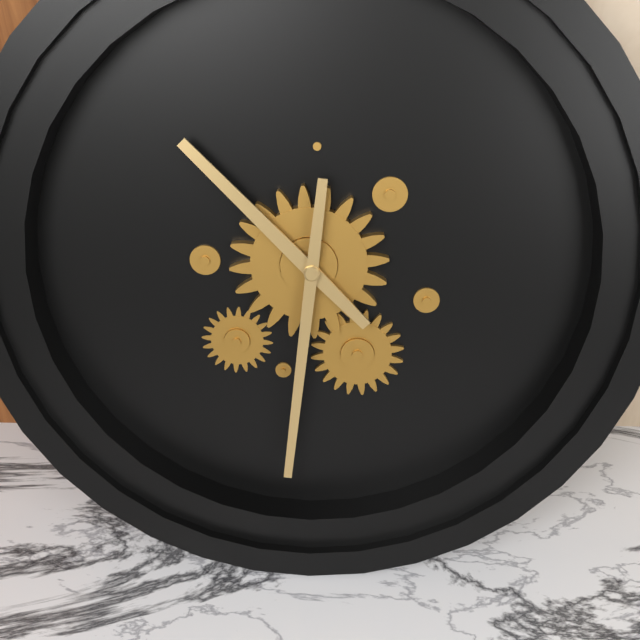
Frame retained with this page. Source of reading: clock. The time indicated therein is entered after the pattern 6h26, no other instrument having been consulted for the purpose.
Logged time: 10h31
